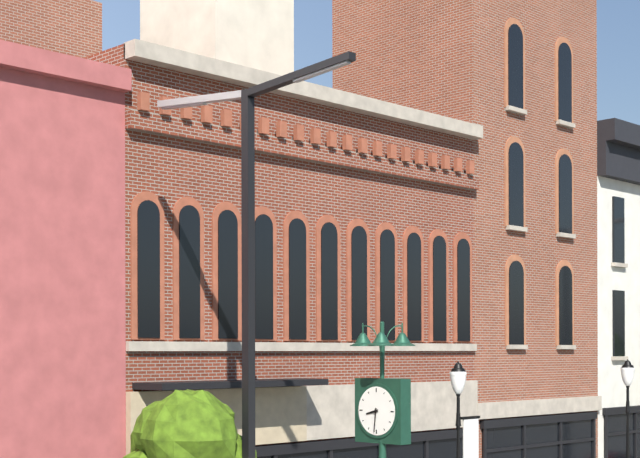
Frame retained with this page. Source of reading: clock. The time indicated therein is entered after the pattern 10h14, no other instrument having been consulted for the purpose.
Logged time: 8h31
